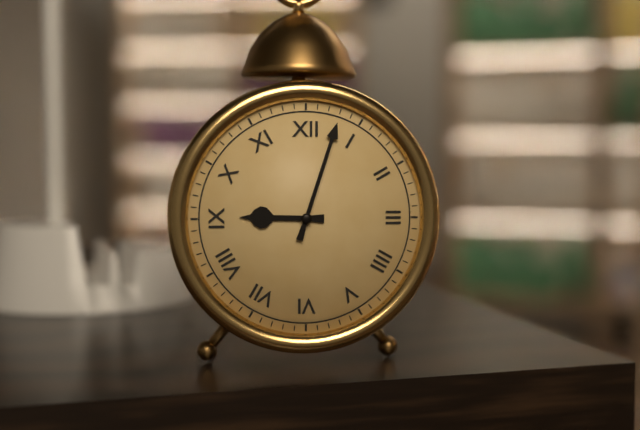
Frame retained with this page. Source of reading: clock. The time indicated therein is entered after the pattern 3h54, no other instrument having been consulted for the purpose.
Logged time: 9h03
